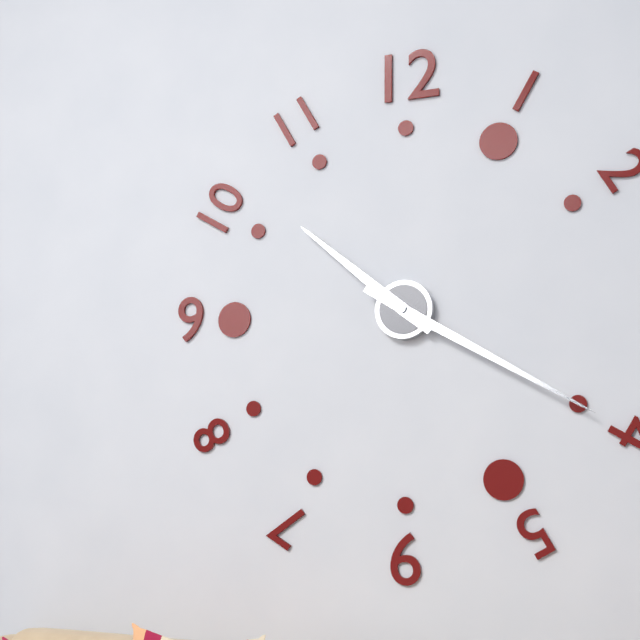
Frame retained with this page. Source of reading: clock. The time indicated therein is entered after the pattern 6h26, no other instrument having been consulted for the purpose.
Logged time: 10h20
